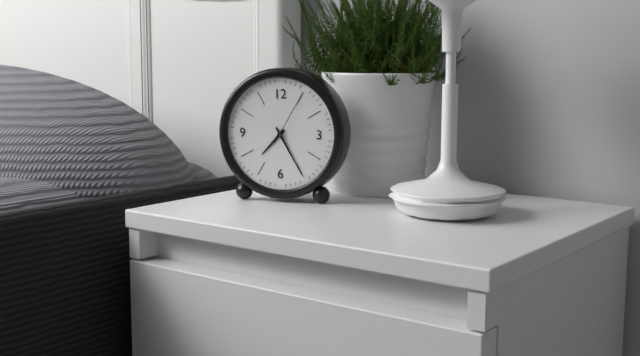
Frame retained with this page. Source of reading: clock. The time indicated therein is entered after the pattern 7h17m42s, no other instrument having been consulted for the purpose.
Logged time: 7h25m05s
